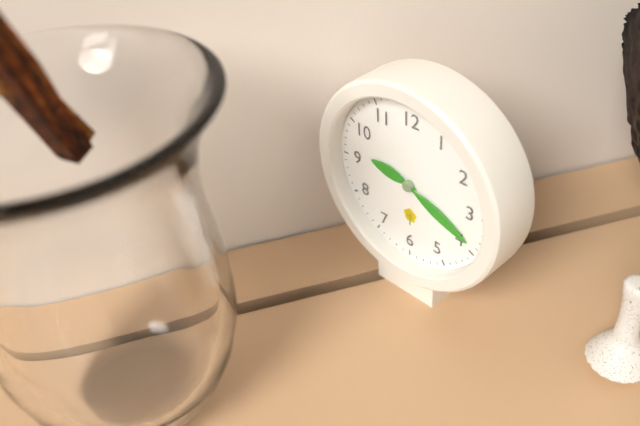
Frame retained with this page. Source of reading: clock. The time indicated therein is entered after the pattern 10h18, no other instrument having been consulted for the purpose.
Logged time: 9h19
